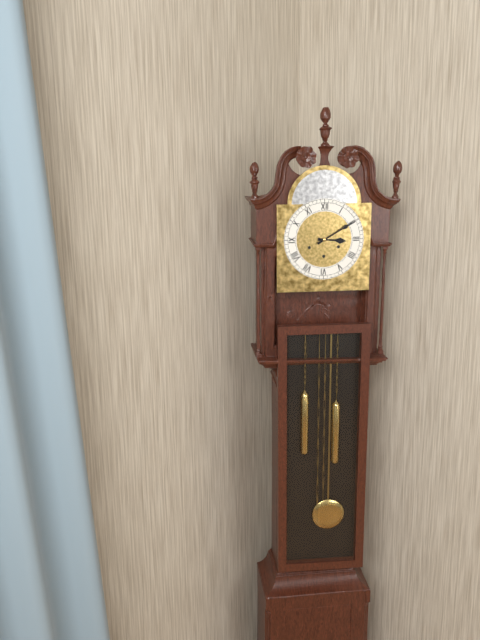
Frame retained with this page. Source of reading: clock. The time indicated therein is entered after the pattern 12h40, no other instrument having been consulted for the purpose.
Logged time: 3h10
